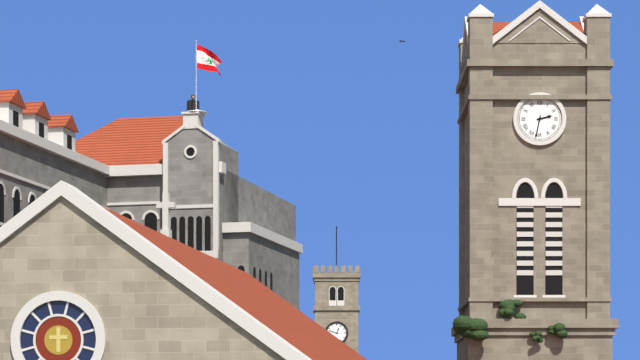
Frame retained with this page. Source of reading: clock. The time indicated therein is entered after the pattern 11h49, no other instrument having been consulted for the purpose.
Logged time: 2h32
